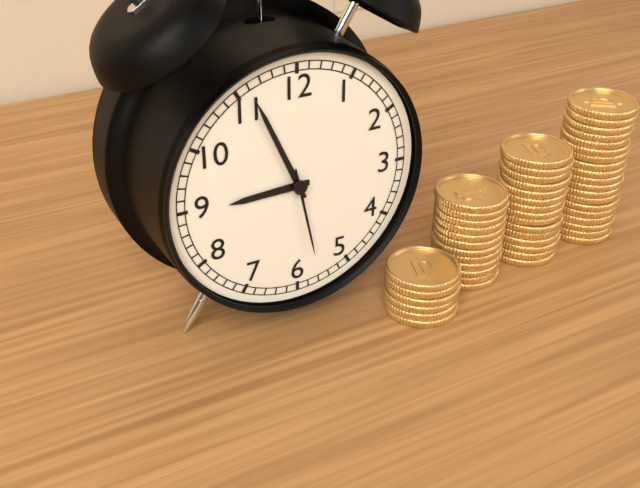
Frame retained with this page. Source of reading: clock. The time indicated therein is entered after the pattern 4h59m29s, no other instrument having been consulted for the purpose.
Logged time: 8h56m28s
